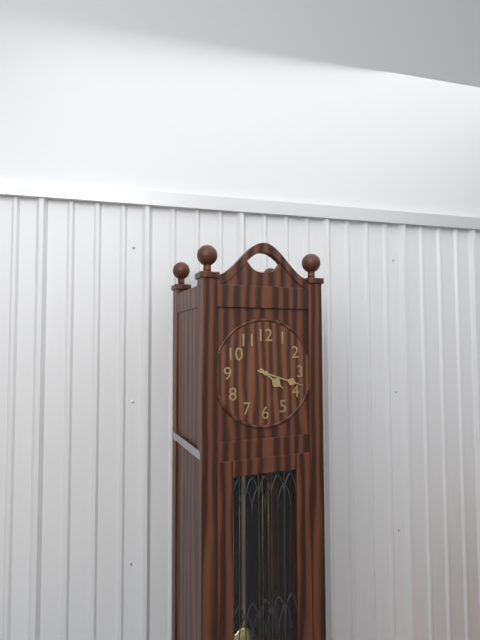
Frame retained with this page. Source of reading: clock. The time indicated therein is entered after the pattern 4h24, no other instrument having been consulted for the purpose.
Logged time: 4h18
